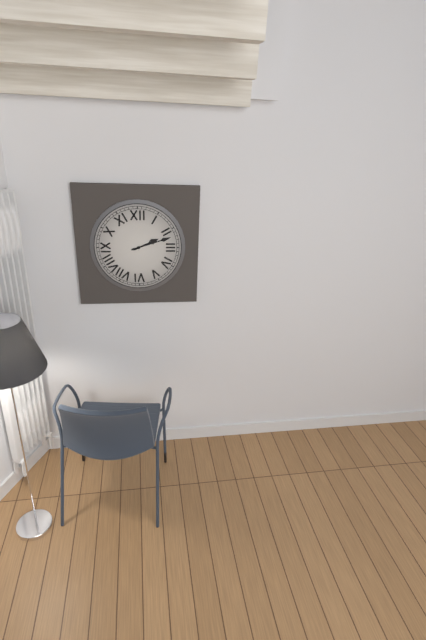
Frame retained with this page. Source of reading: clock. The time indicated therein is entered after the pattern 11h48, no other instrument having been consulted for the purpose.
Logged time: 2h12
